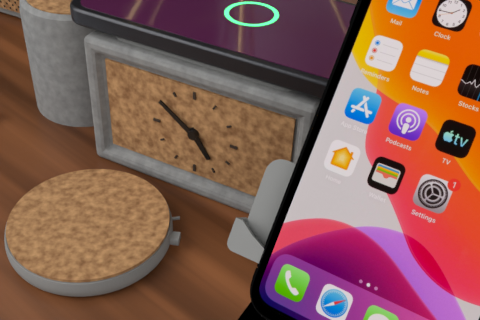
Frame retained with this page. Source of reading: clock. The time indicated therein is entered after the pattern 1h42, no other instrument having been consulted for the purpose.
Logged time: 4h51
